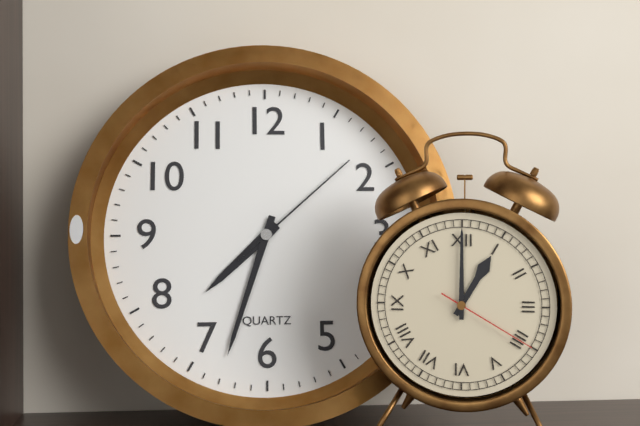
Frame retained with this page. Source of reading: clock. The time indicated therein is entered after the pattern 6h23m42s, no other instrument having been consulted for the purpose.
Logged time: 7h33m08s
